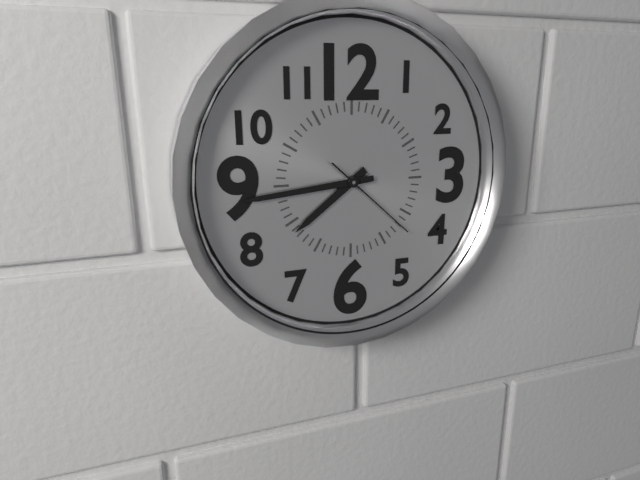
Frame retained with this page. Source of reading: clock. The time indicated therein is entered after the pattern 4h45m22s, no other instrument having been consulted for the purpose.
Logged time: 7h44m22s
